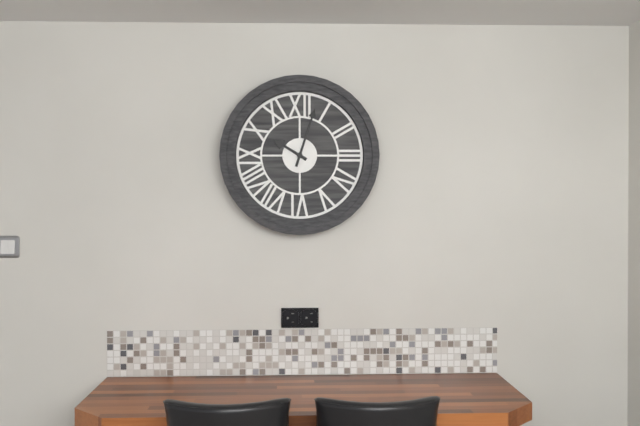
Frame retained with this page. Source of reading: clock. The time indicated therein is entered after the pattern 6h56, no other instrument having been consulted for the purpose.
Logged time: 10h03
